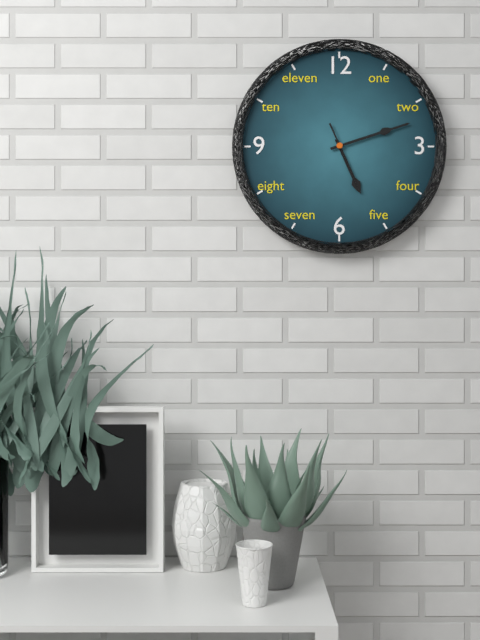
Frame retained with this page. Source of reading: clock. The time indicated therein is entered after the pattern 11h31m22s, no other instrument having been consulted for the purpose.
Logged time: 5h12m26s
